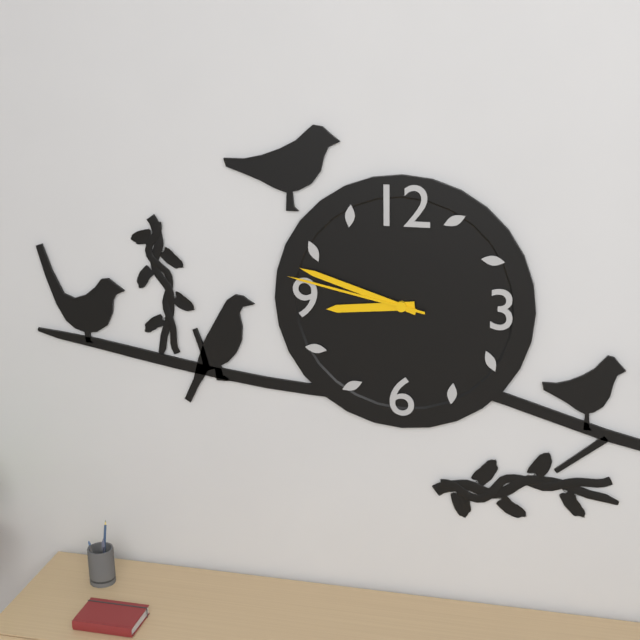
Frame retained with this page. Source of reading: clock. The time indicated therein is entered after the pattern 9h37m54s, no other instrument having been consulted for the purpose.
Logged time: 8h48m47s
